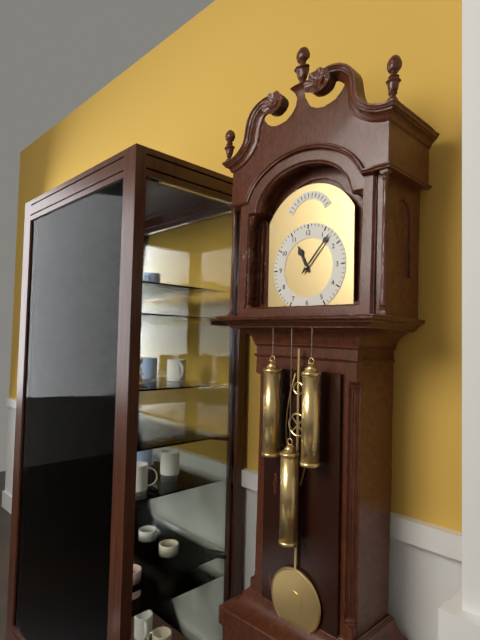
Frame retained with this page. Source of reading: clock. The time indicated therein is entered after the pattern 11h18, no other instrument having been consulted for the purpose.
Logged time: 11h07
